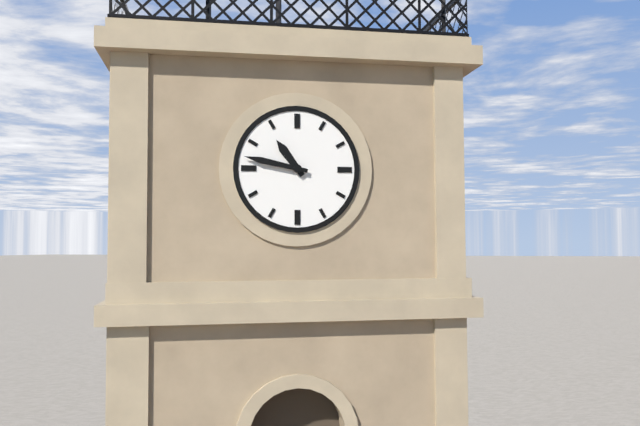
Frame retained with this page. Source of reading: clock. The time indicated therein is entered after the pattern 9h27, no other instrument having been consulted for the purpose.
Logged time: 10h47
